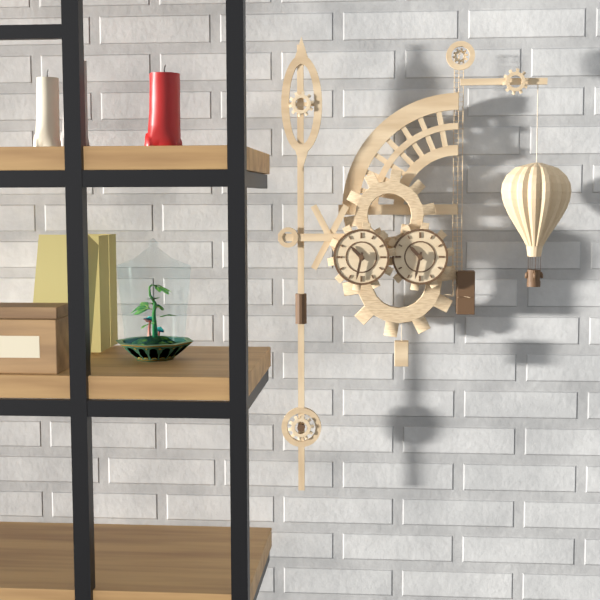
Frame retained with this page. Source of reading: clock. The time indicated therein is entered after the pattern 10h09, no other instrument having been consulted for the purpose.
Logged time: 10h32
